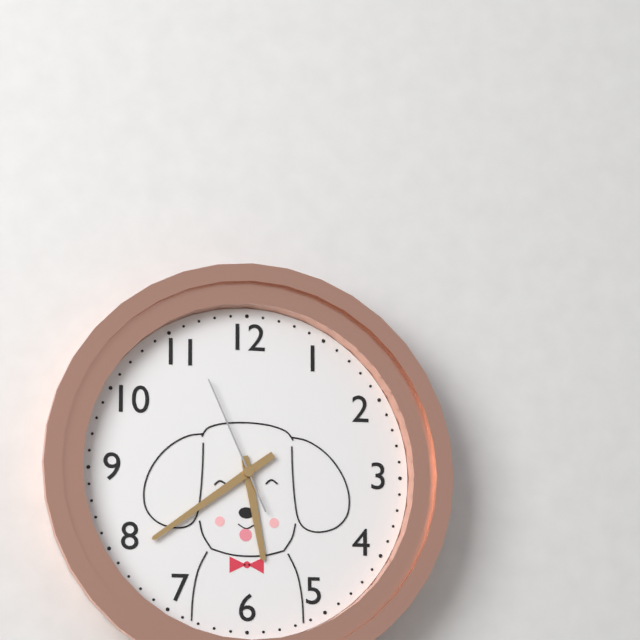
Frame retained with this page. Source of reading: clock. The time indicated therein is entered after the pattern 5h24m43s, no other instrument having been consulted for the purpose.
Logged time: 5h39m56s
